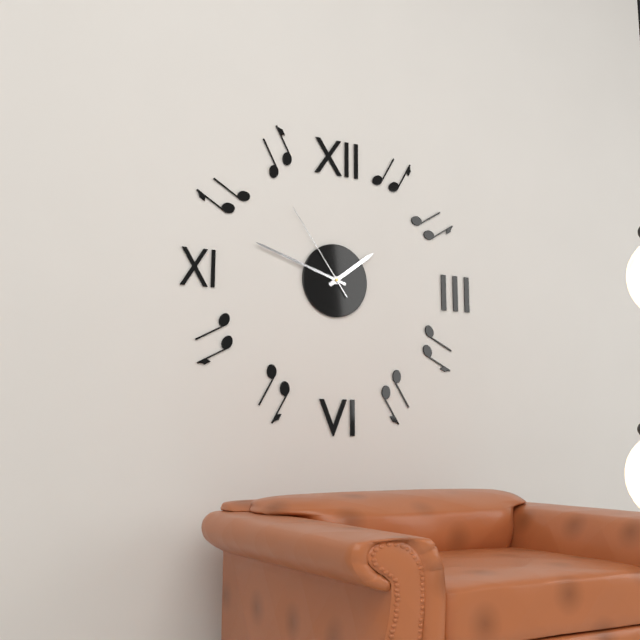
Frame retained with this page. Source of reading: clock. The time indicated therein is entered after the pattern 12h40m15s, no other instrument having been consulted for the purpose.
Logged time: 1h48m54s
